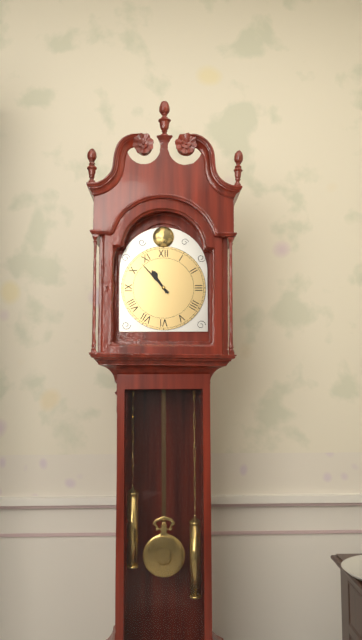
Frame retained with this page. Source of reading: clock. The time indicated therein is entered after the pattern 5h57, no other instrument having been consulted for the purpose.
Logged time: 10h53
